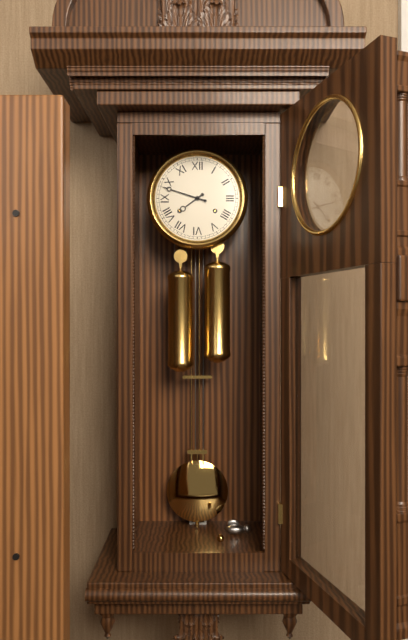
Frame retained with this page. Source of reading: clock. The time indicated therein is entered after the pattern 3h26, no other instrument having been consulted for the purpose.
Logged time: 7h48
